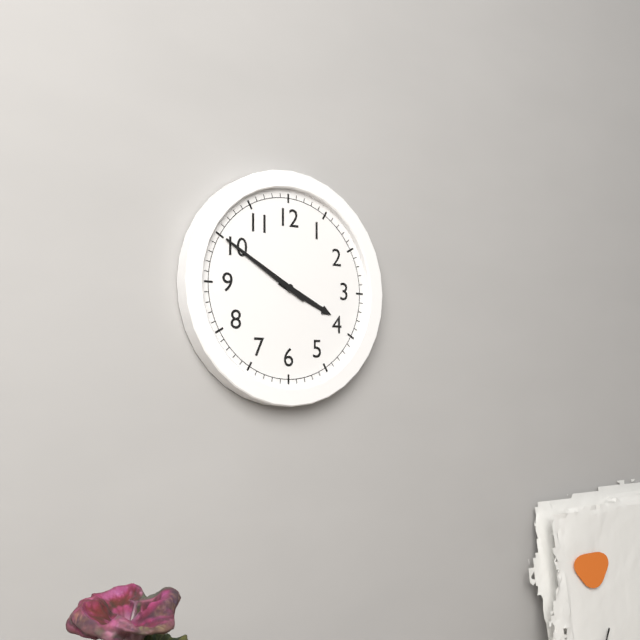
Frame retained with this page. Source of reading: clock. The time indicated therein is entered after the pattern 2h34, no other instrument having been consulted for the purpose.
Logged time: 3h50
